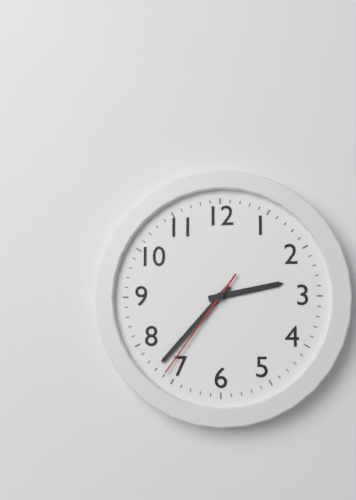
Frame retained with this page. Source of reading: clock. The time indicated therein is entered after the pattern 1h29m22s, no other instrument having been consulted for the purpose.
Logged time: 2h37m36s
